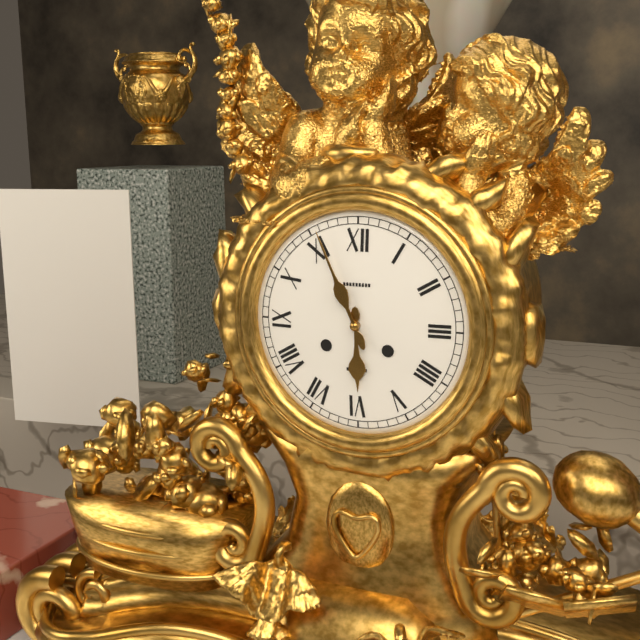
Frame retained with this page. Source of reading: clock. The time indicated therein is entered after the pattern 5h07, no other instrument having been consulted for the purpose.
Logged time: 5h56
